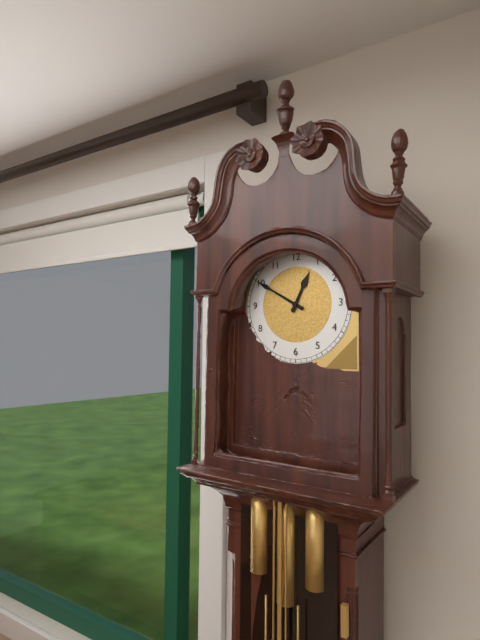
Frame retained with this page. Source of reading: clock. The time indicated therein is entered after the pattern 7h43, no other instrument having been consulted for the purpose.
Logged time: 12h50
